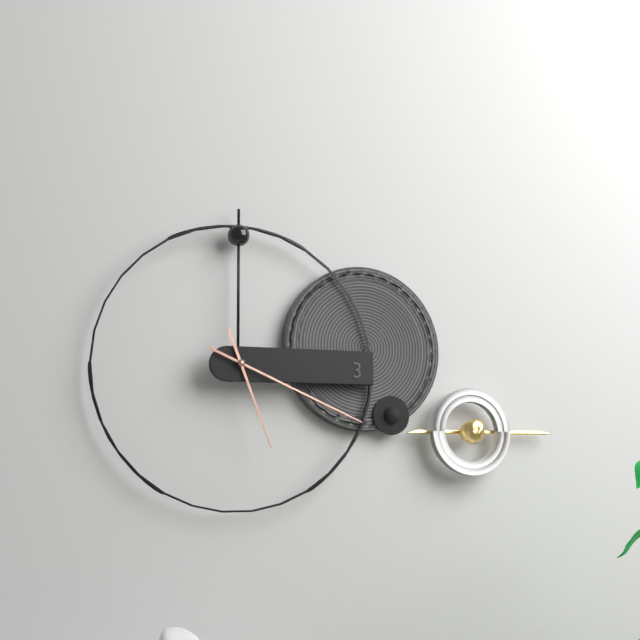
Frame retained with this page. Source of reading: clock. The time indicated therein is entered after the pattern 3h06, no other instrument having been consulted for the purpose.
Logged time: 5h19
